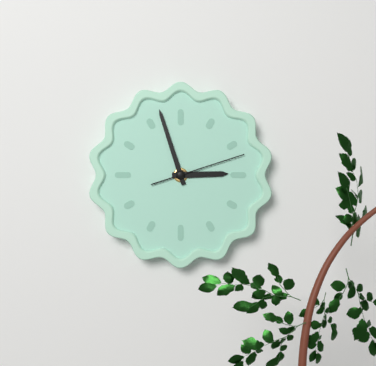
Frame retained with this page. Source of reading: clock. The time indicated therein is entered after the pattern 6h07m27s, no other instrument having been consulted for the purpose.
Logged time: 2h57m12s
